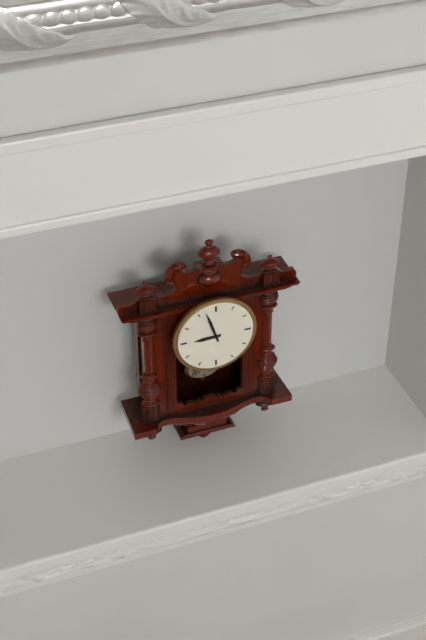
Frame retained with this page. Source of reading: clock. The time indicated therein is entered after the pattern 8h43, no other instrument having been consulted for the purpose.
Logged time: 8h57
